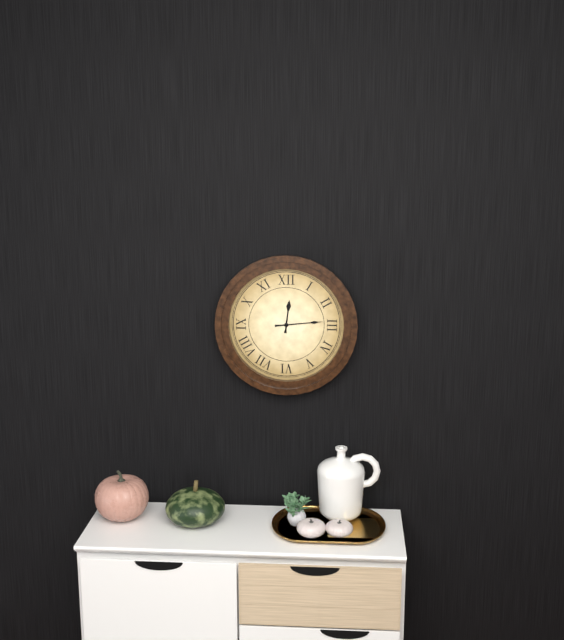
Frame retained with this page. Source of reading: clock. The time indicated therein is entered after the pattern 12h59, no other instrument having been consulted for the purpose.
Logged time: 12h14
